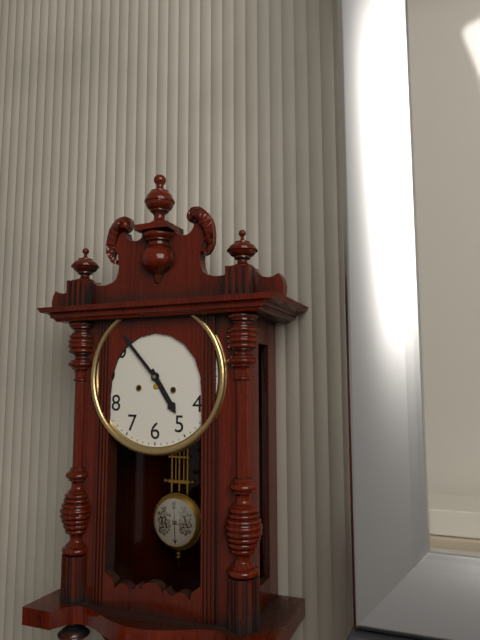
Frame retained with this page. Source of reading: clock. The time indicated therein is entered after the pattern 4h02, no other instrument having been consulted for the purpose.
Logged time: 4h53
